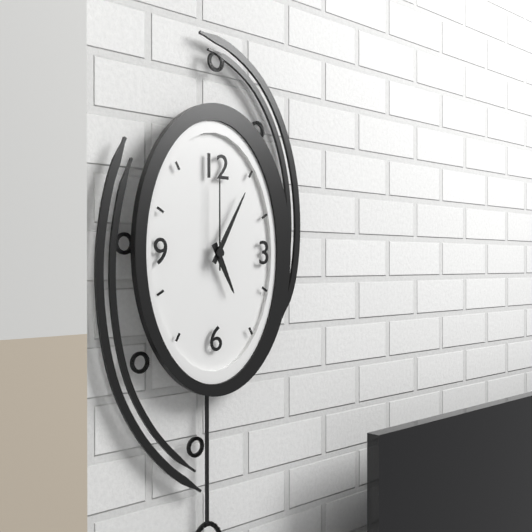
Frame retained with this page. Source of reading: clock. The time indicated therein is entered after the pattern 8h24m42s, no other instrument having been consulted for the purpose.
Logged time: 5h05m00s
